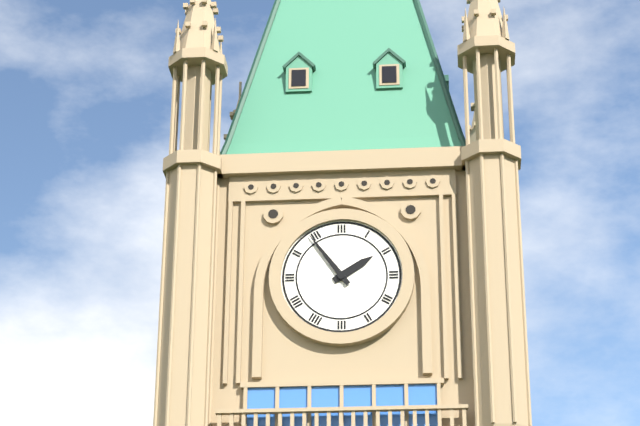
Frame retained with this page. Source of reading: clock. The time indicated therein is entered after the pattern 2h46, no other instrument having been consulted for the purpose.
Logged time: 1h54
